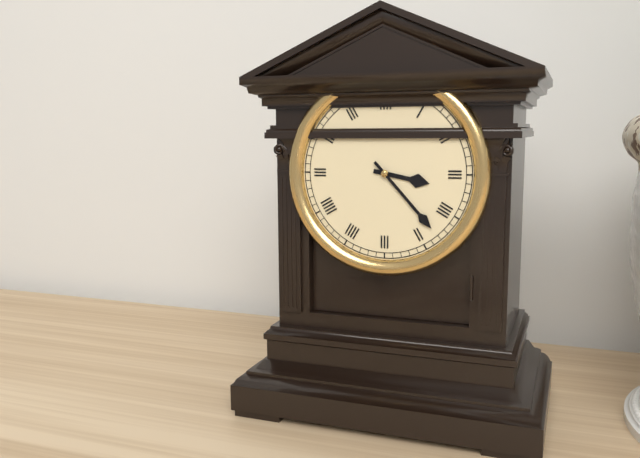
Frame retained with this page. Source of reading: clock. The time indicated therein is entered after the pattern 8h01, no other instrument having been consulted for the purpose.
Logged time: 3h23
